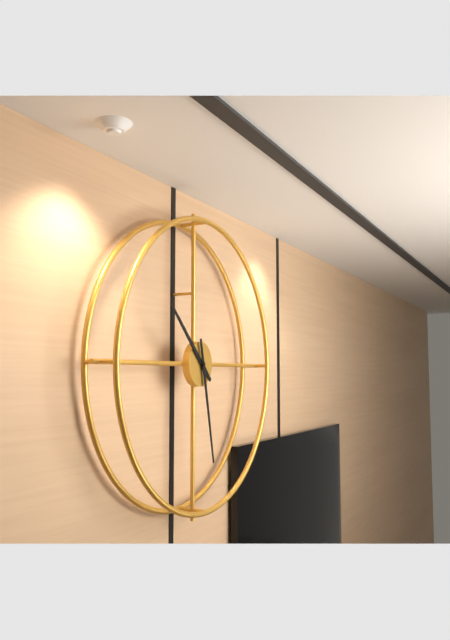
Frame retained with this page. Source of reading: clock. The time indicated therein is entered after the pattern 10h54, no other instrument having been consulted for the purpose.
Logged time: 10h28
